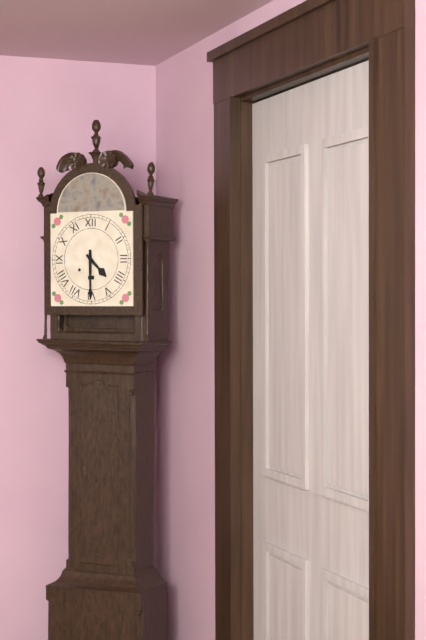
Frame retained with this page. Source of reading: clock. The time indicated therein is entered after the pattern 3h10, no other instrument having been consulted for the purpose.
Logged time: 4h30
